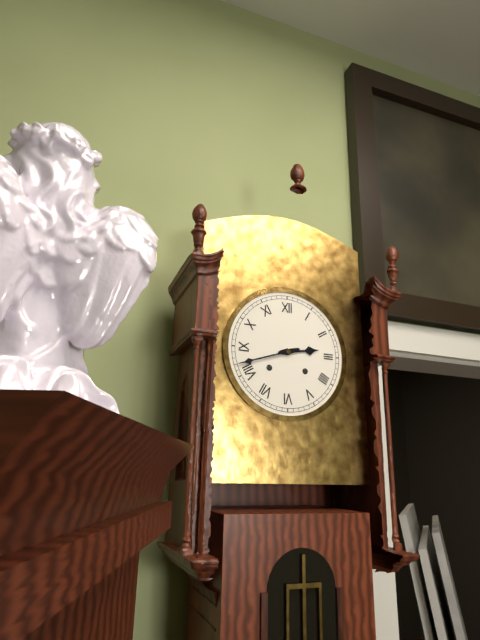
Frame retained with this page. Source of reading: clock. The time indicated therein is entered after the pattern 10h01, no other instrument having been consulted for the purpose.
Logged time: 2h42
